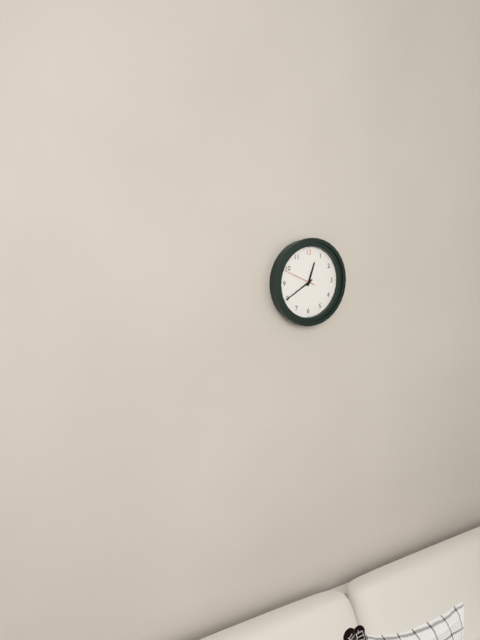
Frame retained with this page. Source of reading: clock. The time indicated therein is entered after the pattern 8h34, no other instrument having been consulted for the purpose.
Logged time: 12h40
